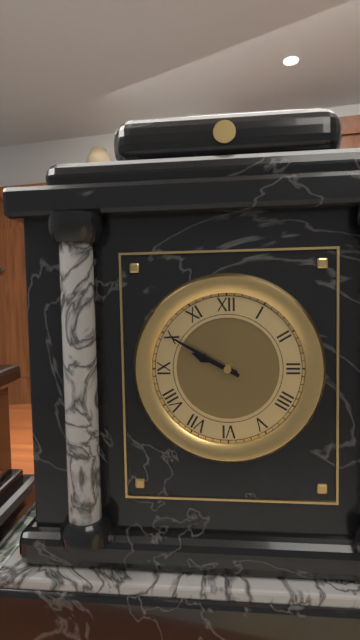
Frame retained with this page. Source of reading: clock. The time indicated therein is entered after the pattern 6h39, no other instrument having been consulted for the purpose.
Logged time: 9h50
